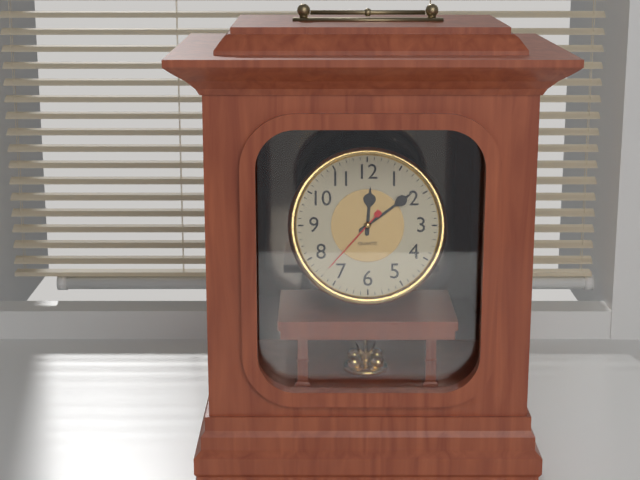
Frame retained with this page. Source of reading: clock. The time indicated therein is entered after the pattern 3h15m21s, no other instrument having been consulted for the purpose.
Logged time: 12h09m37s
